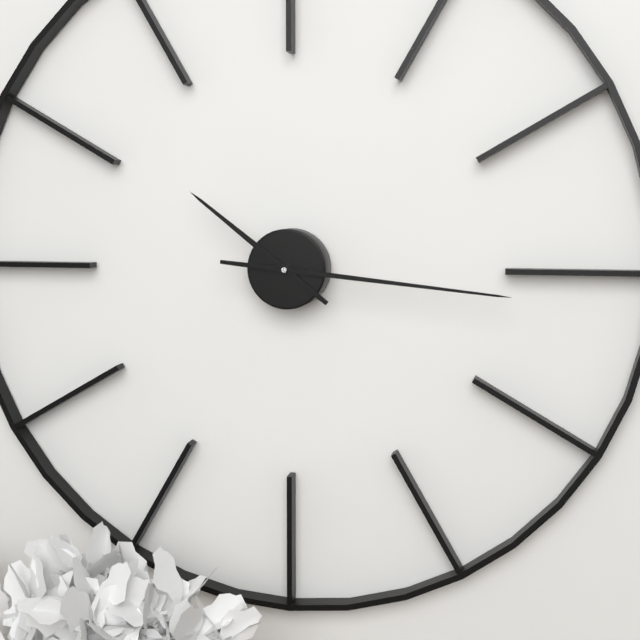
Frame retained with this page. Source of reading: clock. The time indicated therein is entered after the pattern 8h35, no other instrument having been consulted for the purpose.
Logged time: 10h16
